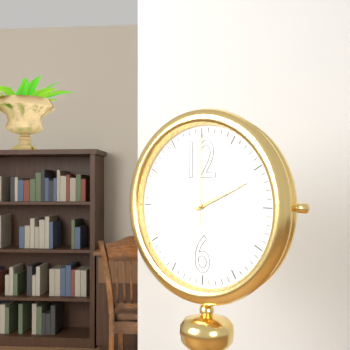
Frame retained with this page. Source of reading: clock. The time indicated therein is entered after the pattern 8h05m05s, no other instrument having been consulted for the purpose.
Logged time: 2h11m00s
